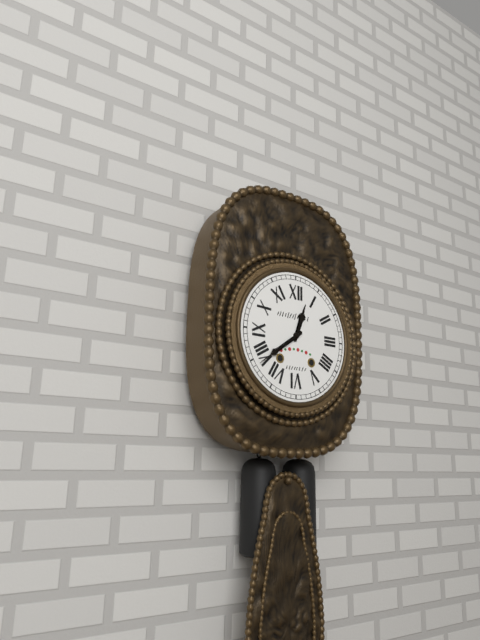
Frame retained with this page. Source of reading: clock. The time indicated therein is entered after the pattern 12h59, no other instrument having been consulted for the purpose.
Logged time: 12h39
